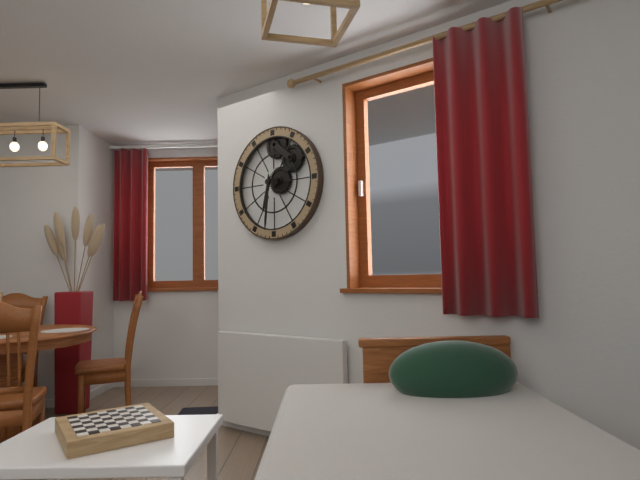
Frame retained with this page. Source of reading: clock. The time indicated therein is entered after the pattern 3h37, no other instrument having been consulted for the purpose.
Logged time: 6h31
